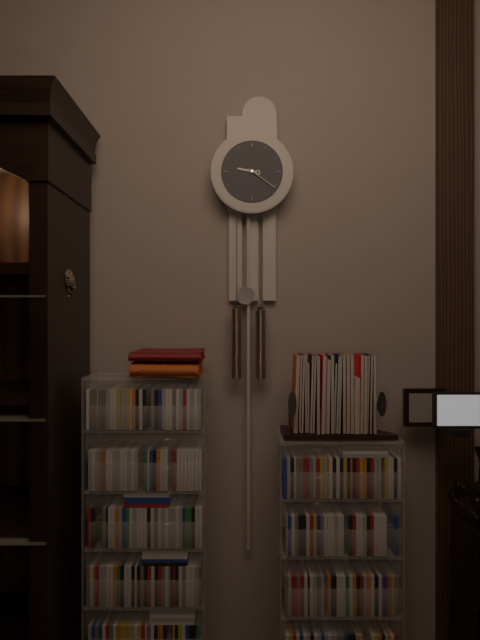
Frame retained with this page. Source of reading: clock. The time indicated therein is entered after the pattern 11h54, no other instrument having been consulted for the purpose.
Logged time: 9h21
